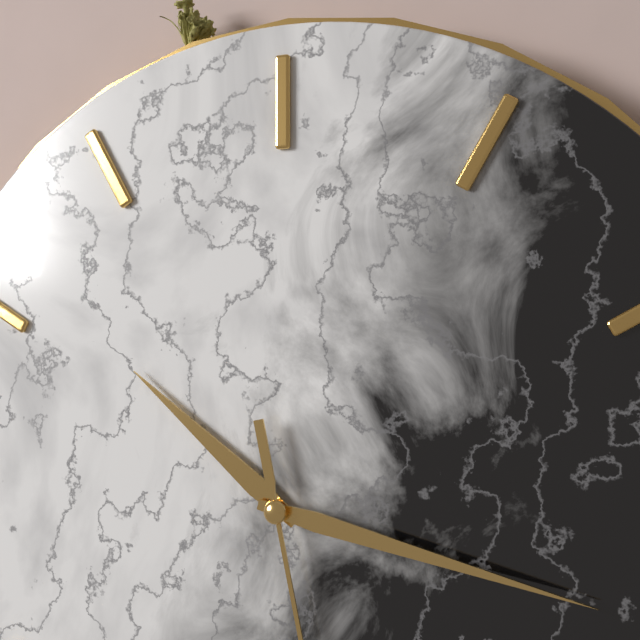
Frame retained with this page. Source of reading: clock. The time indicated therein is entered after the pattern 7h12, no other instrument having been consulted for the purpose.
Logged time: 10h17
